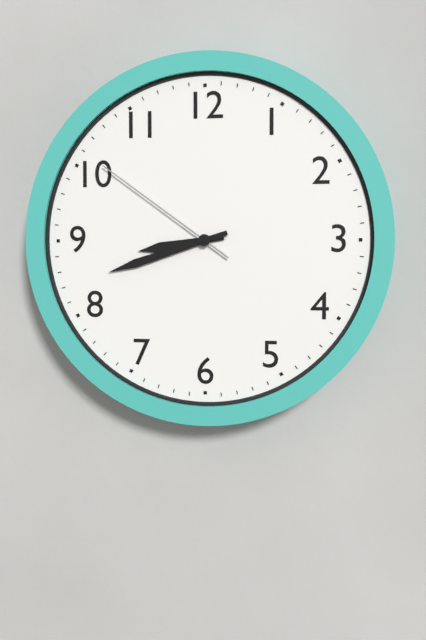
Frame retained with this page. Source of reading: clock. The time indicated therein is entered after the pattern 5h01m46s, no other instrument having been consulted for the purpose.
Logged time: 8h42m51s
